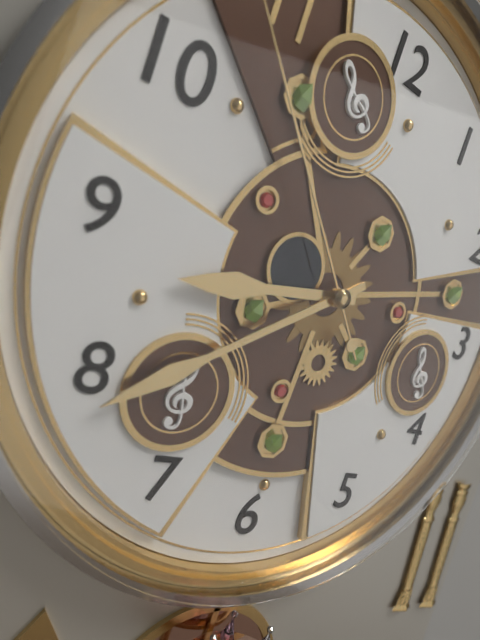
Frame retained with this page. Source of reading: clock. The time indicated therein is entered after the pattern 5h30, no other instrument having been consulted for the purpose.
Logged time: 8h39
